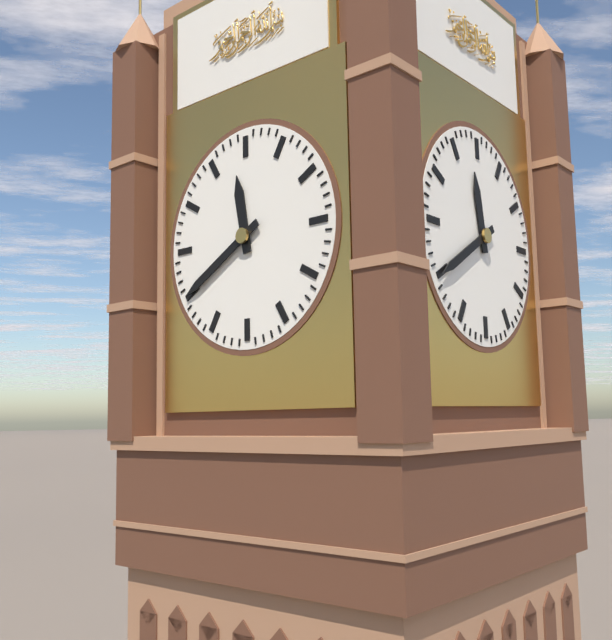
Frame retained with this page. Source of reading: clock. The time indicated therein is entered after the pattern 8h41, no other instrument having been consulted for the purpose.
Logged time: 11h40
